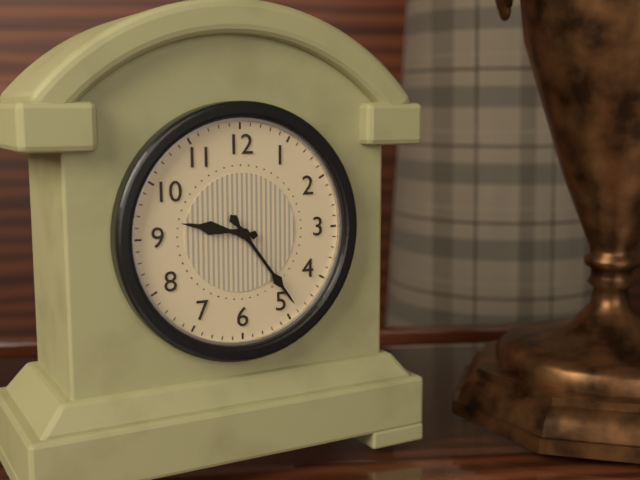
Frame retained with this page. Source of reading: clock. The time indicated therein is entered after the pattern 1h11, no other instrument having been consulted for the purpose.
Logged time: 9h24
